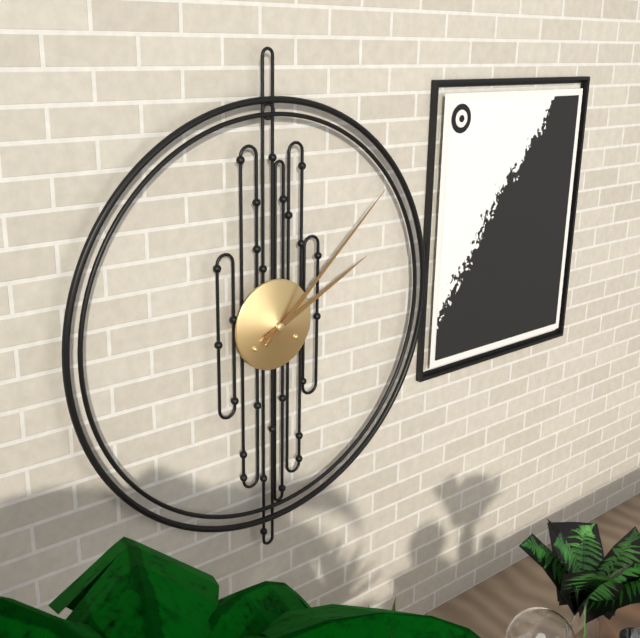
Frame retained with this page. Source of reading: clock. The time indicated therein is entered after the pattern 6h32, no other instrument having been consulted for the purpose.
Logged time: 2h08
